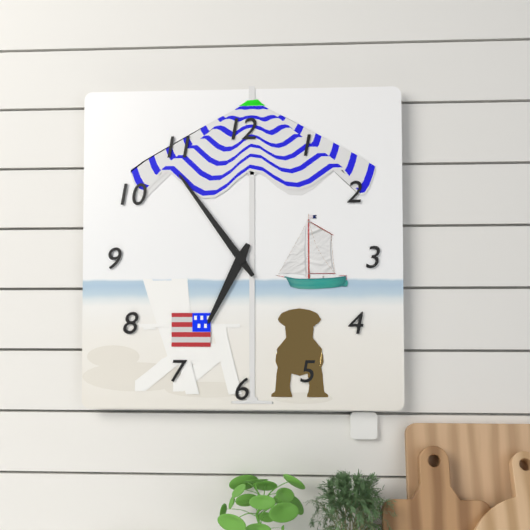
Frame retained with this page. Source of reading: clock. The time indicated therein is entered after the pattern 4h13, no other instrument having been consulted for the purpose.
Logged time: 6h54
